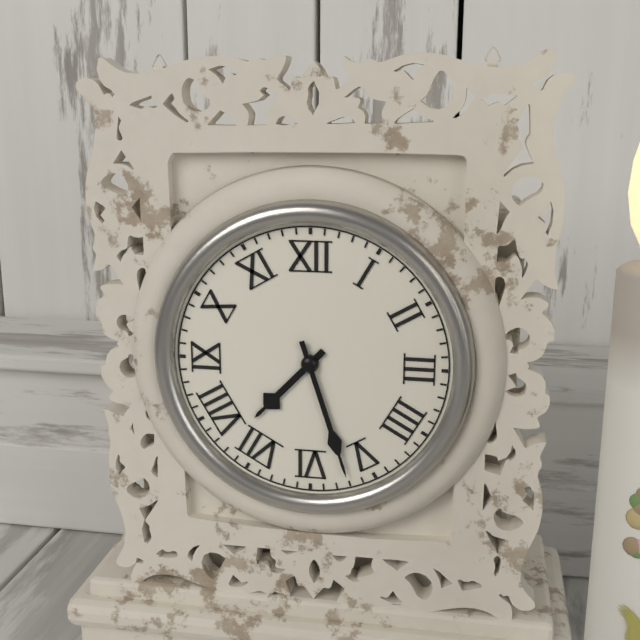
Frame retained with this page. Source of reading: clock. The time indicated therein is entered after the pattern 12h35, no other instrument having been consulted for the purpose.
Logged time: 7h27
